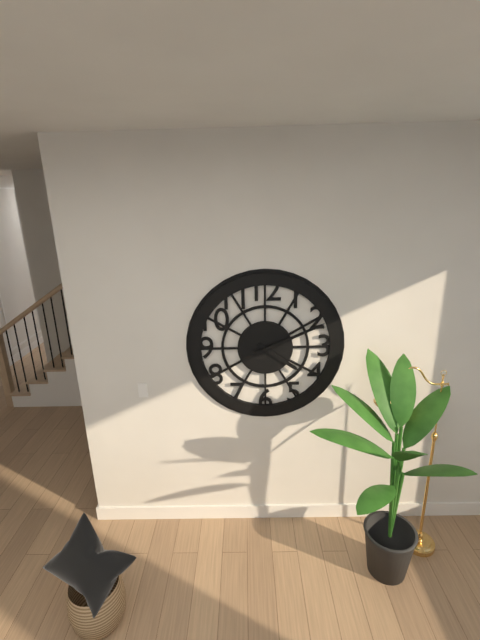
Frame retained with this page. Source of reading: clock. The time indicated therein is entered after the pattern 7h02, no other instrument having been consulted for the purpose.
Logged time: 4h11
